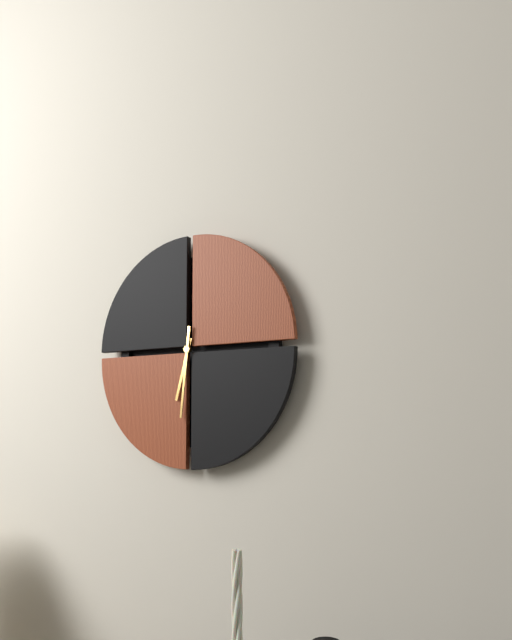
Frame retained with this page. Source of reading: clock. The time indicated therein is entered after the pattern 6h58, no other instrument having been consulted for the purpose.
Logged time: 6h31
